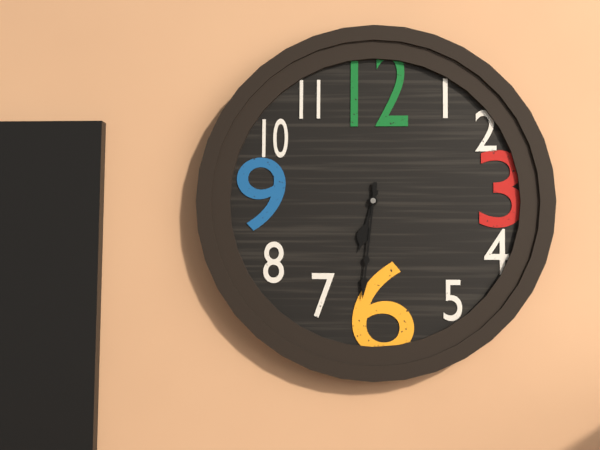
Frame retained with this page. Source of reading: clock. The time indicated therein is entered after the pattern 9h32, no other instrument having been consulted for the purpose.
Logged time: 6h31
